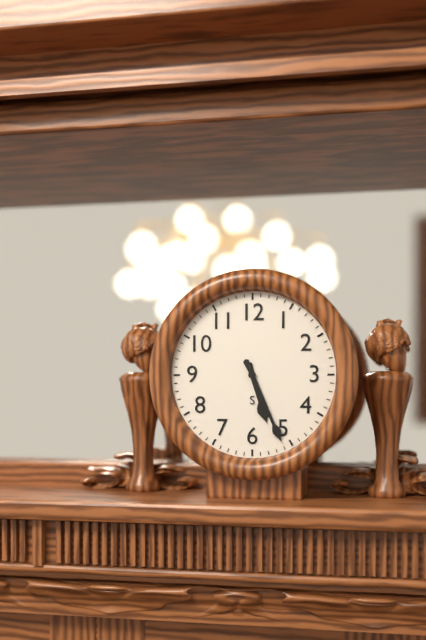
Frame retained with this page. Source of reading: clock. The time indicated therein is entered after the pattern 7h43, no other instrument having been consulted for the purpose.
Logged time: 5h26
